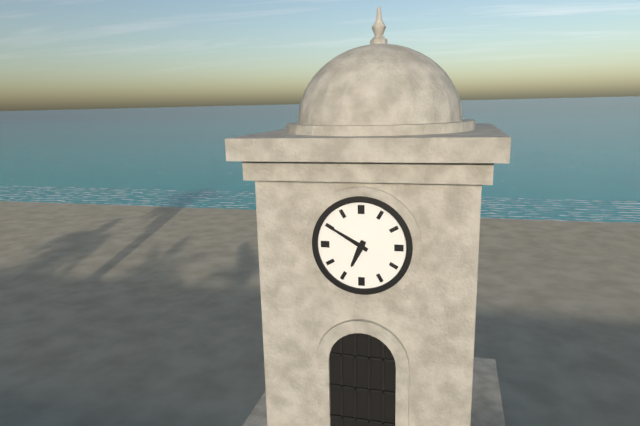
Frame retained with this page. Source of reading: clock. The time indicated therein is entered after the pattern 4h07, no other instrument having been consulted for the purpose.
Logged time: 6h50
